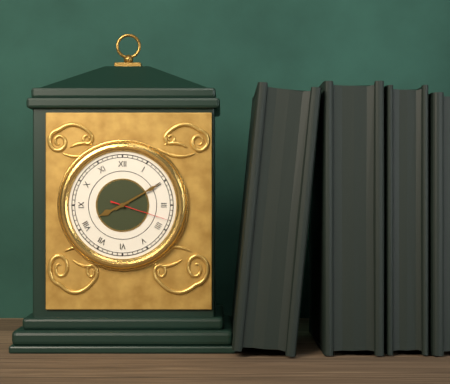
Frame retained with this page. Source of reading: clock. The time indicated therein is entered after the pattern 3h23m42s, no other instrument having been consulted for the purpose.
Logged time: 8h10m18s
